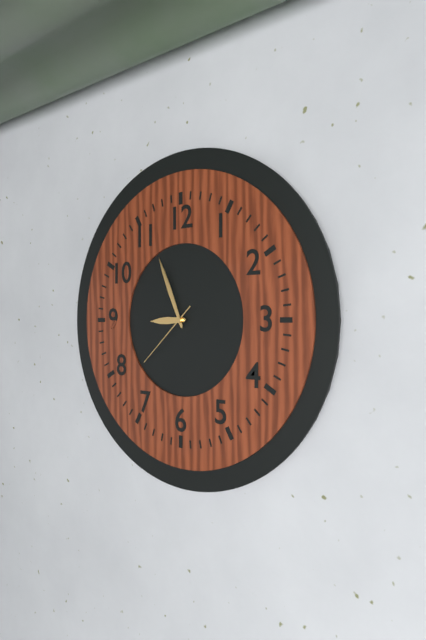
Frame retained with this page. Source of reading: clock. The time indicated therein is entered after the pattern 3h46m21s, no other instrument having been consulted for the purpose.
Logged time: 8h56m38s
